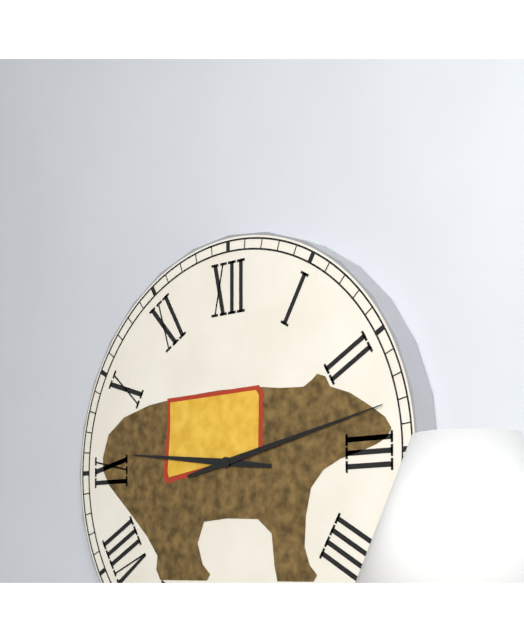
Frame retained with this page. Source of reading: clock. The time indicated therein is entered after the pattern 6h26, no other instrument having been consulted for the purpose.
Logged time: 9h13
